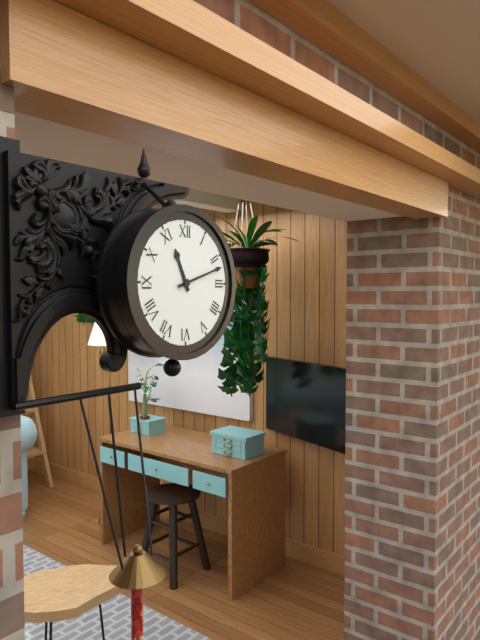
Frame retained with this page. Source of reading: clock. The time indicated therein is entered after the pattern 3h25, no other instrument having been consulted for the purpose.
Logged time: 11h12
